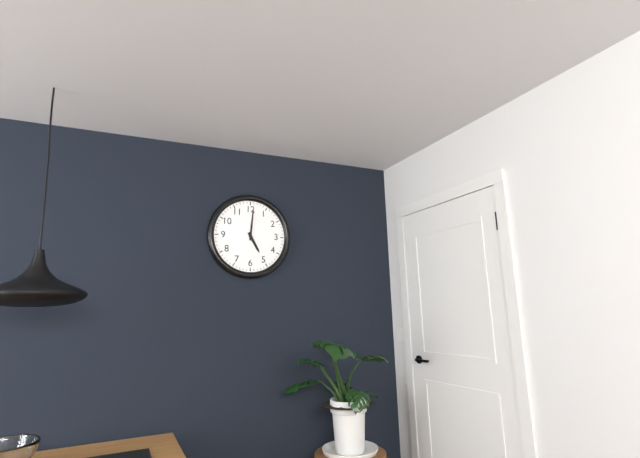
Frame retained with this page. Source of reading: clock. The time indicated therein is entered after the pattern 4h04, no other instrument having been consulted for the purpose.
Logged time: 5h01
